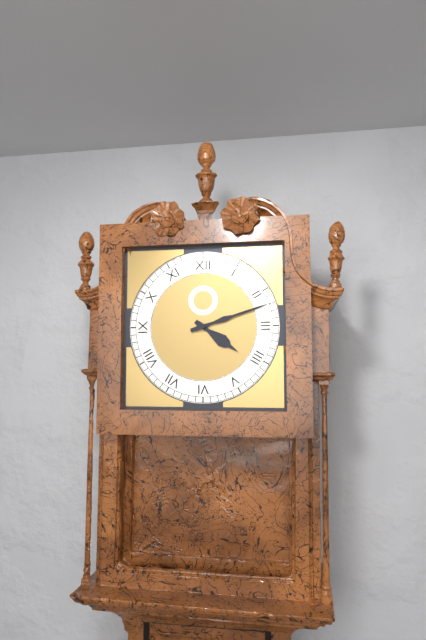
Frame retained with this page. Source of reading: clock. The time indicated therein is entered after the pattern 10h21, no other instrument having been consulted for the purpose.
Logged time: 4h12
